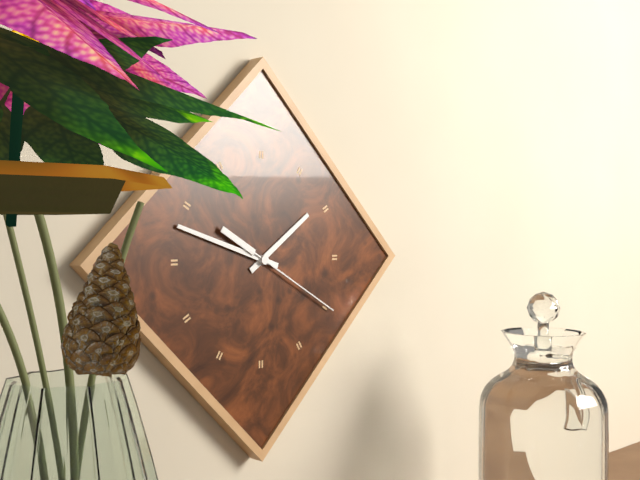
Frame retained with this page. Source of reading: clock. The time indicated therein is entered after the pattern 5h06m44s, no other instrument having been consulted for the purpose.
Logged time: 1h48m20s
